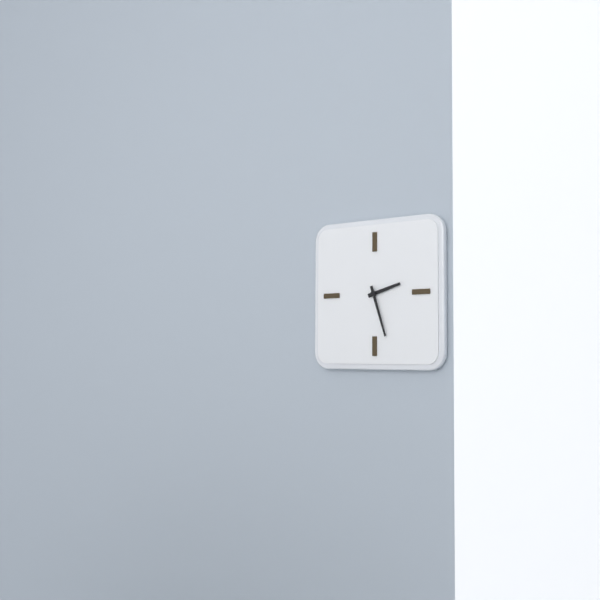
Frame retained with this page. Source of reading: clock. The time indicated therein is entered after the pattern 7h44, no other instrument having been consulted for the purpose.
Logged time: 2h27
